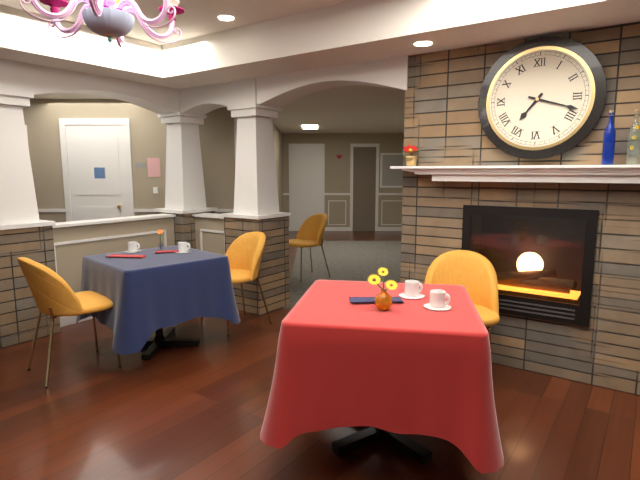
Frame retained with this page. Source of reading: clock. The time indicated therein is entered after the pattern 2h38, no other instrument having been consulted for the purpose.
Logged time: 7h18
